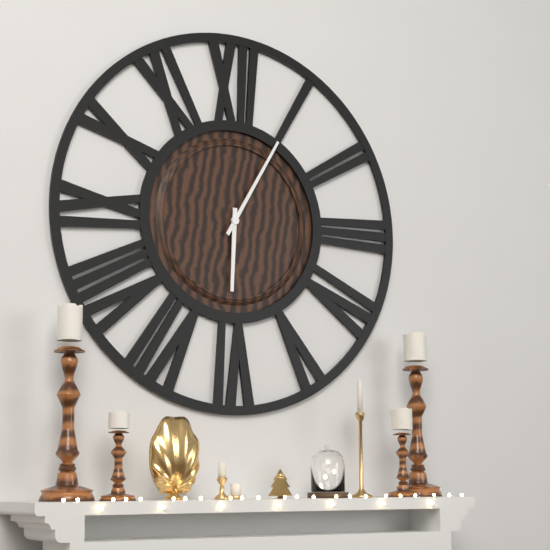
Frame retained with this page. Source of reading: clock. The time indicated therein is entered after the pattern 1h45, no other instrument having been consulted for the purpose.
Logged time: 6h05
